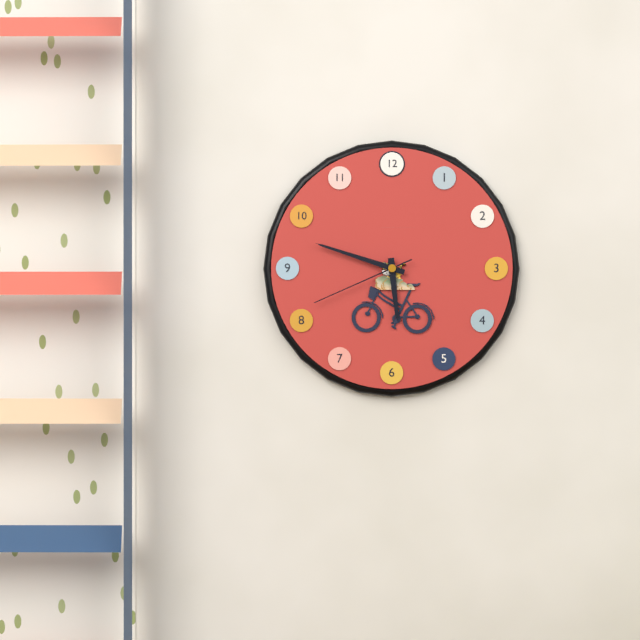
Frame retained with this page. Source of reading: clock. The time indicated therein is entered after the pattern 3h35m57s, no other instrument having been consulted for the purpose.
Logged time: 5h48m41s
